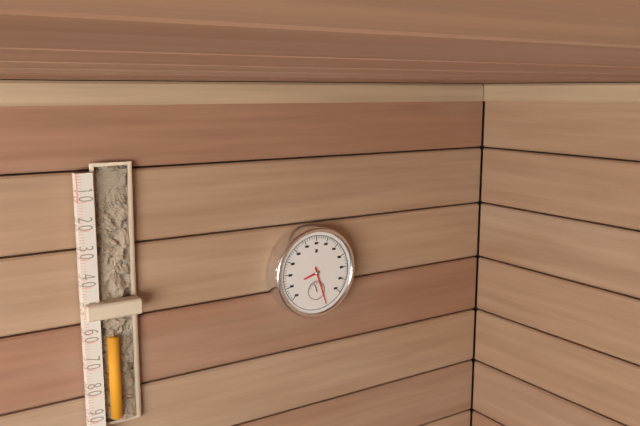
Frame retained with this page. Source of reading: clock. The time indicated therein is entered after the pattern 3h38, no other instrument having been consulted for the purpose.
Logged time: 8h27
